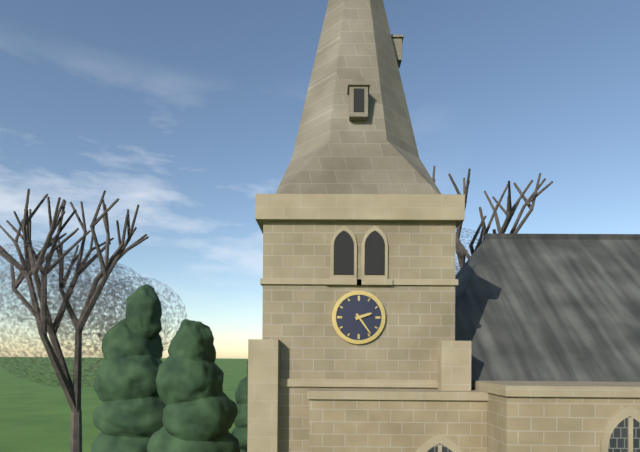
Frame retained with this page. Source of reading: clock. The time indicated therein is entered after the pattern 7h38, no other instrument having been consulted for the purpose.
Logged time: 2h24
